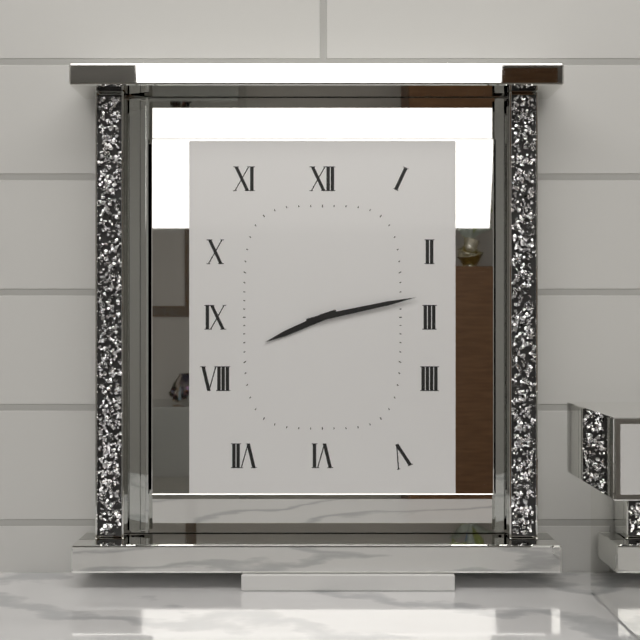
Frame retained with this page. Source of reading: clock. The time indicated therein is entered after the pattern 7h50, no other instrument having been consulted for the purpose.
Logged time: 8h13
